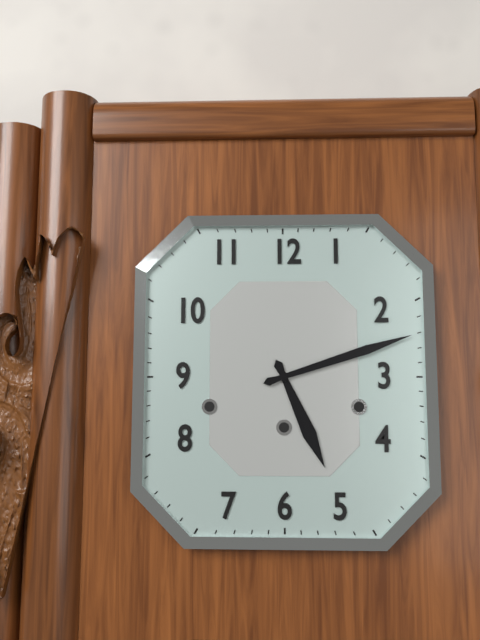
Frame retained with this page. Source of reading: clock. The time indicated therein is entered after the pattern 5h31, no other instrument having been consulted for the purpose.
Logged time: 5h12
